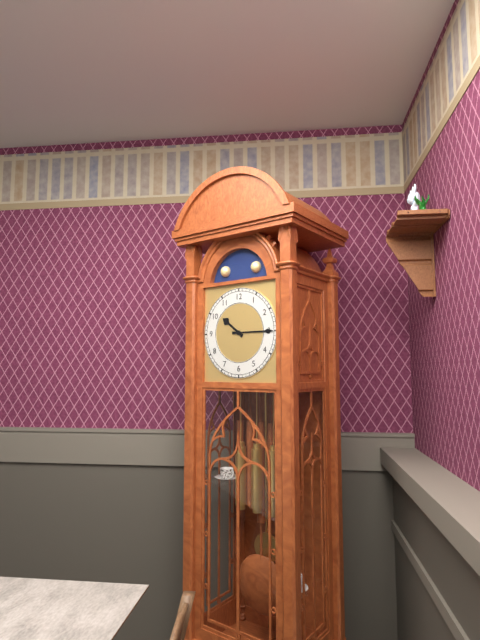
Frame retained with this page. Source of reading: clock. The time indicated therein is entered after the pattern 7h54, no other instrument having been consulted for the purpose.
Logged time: 10h15
